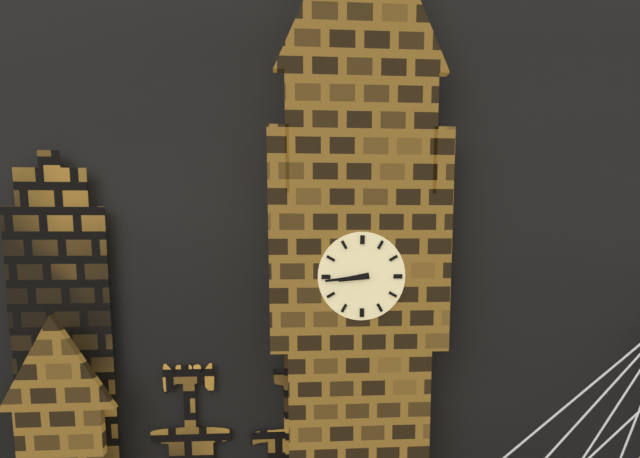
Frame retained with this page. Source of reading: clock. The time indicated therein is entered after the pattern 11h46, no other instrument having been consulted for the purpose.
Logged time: 8h44
